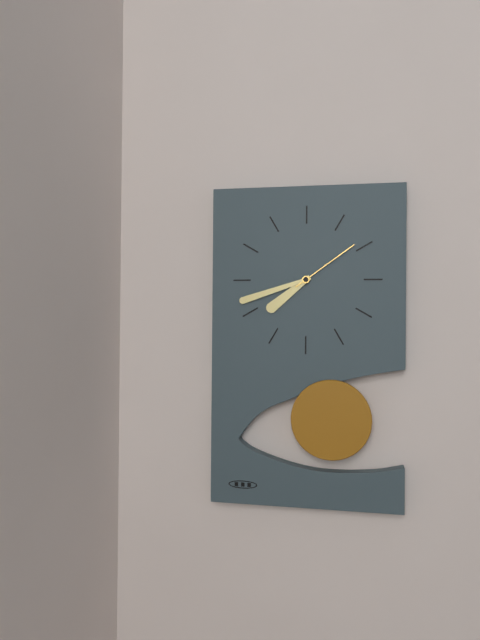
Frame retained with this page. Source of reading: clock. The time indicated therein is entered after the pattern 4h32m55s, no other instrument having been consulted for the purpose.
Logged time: 7h42m09s
